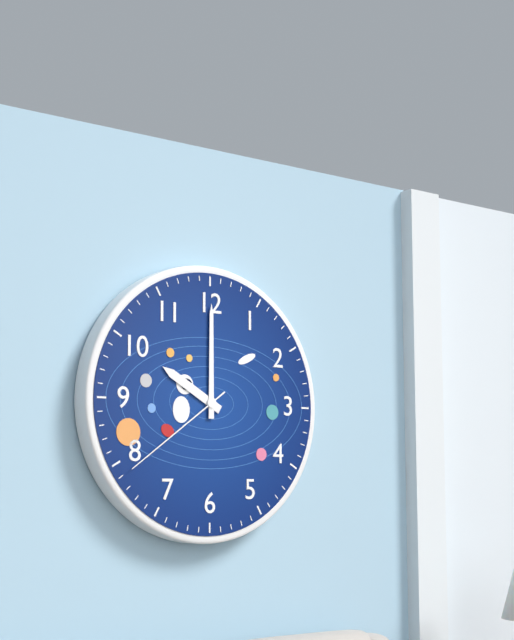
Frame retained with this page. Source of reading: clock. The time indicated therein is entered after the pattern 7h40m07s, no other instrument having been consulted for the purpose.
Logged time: 10h00m39s
